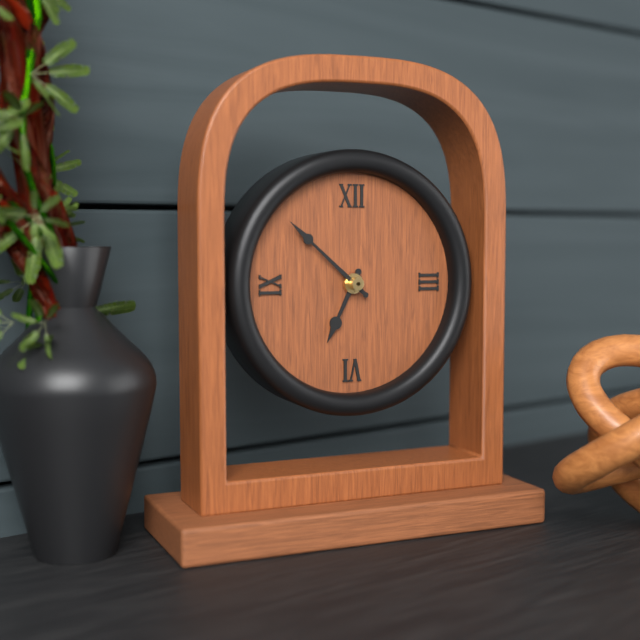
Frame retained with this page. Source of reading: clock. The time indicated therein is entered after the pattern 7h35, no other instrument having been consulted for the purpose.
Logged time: 6h52
